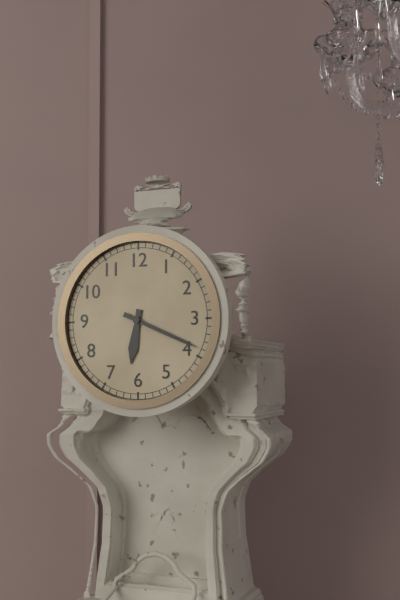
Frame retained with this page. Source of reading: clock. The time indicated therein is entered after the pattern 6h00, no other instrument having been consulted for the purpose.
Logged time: 6h19
